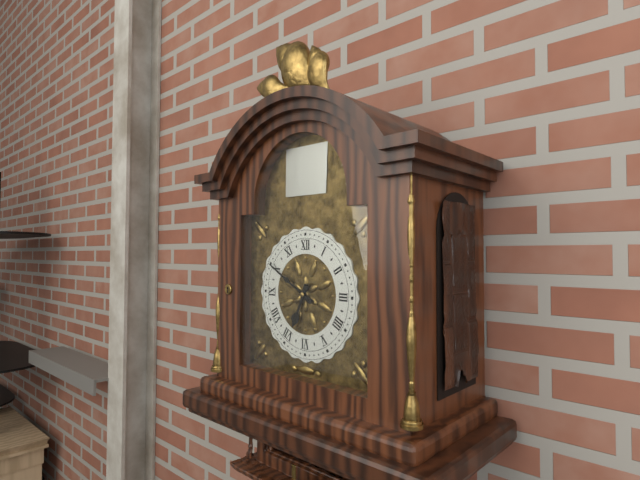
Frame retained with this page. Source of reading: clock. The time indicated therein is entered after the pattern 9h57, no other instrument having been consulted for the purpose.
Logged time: 6h50
